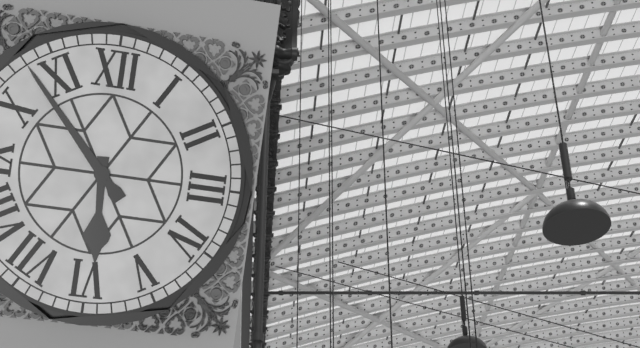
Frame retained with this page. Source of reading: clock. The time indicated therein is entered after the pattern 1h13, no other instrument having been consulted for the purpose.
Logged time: 5h53
